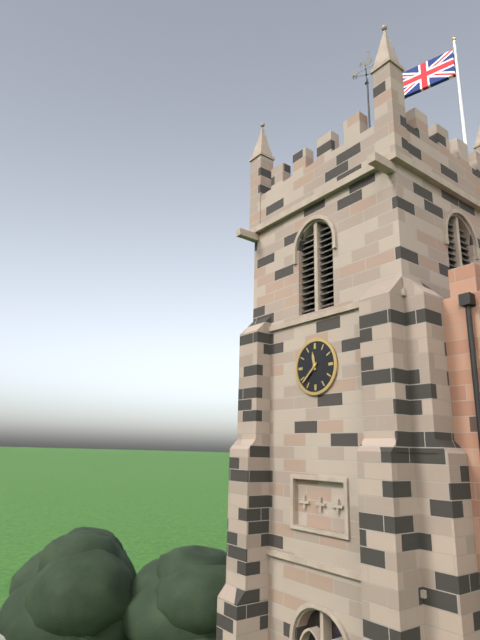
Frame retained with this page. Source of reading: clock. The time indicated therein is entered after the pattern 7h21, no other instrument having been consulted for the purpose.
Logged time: 11h38
